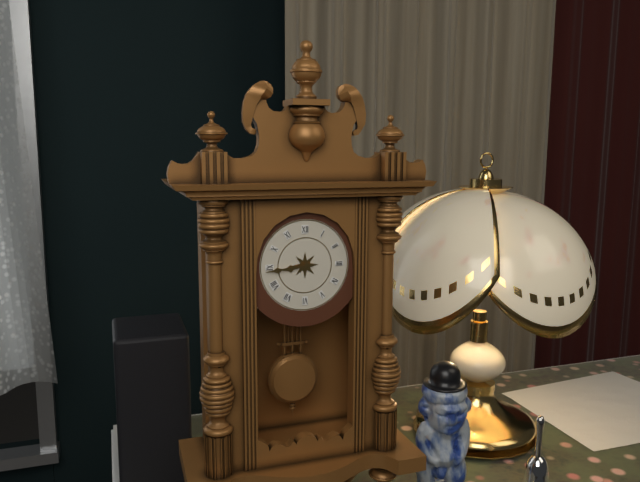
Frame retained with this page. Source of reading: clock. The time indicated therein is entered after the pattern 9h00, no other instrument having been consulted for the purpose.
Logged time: 8h44
